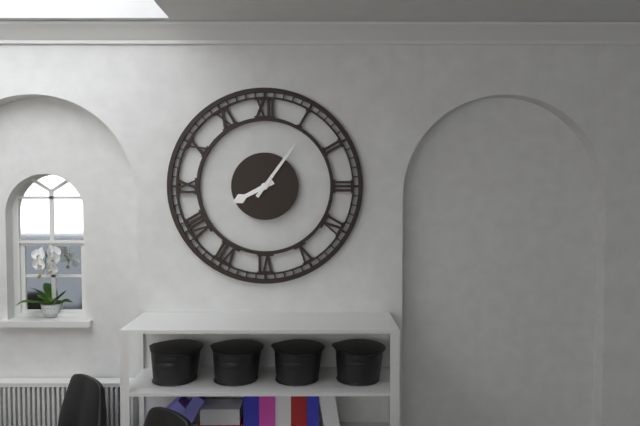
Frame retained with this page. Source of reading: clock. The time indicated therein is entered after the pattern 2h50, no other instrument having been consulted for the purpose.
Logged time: 8h06
